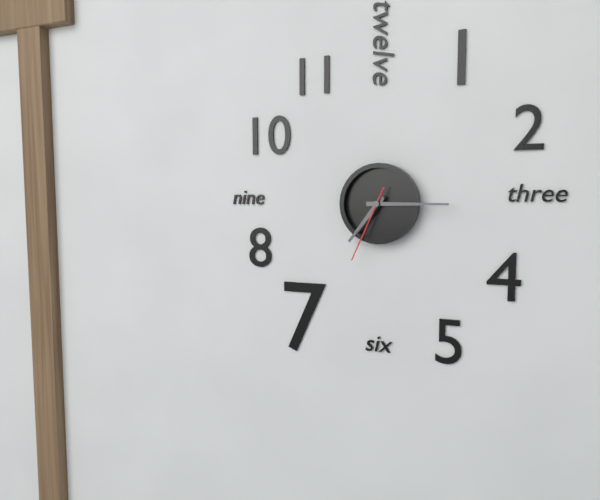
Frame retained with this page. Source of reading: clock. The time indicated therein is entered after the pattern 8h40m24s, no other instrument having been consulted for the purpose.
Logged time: 7h15m34s
